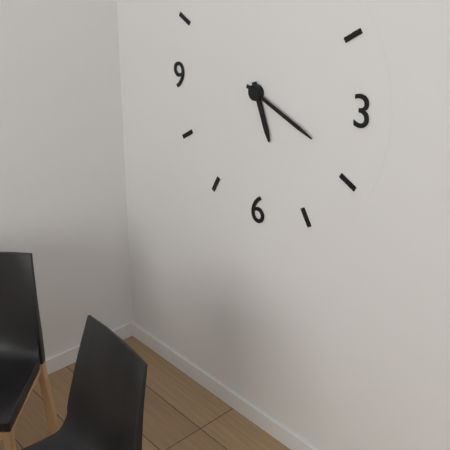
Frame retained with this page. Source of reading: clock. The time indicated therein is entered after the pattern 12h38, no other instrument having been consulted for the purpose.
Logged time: 5h19
